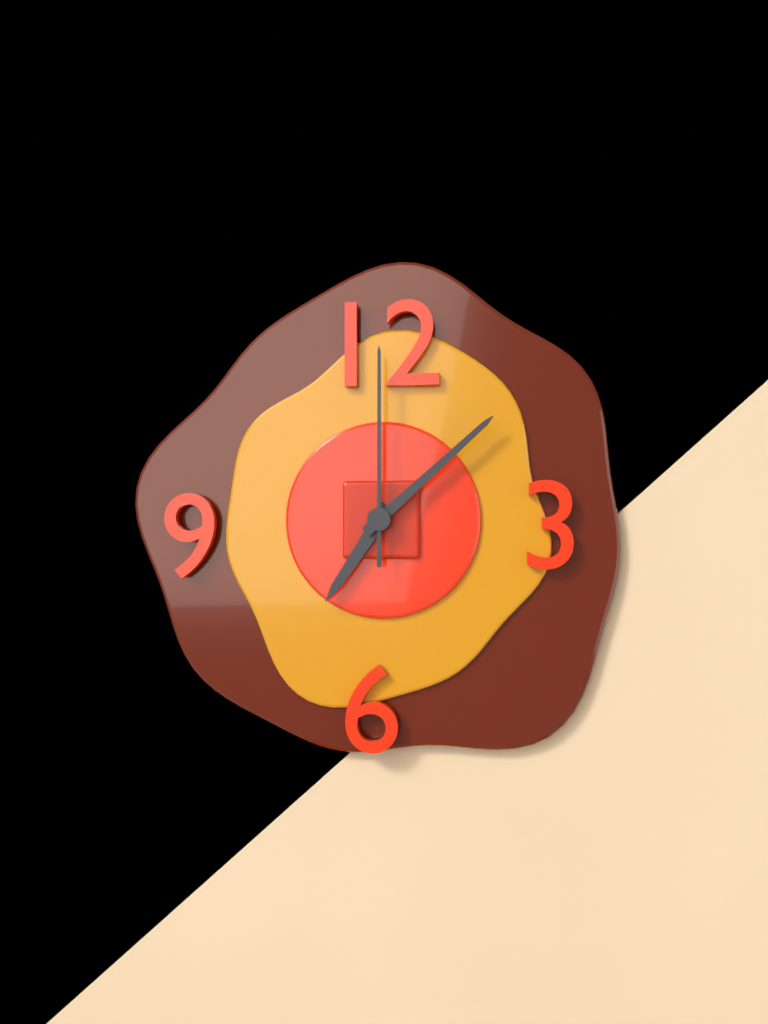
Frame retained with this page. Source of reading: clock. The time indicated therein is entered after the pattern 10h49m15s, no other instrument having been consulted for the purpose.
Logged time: 7h08m00s
